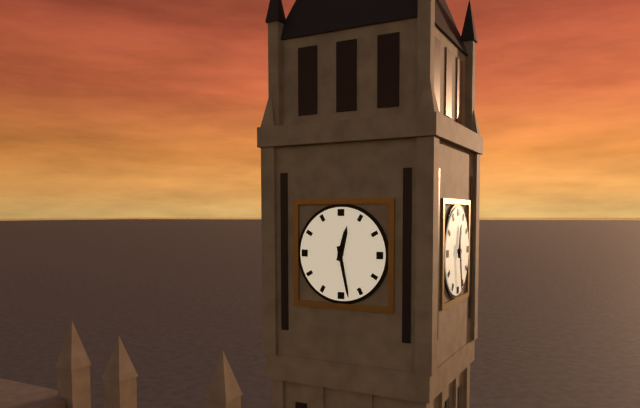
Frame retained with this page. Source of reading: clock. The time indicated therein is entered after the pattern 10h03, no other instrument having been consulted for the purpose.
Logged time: 12h28
